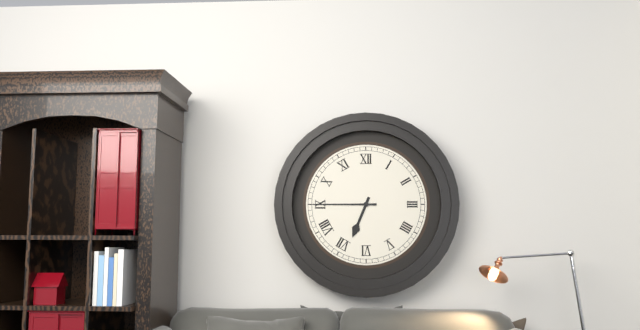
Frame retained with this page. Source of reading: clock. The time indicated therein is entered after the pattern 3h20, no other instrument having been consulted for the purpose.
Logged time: 6h45
